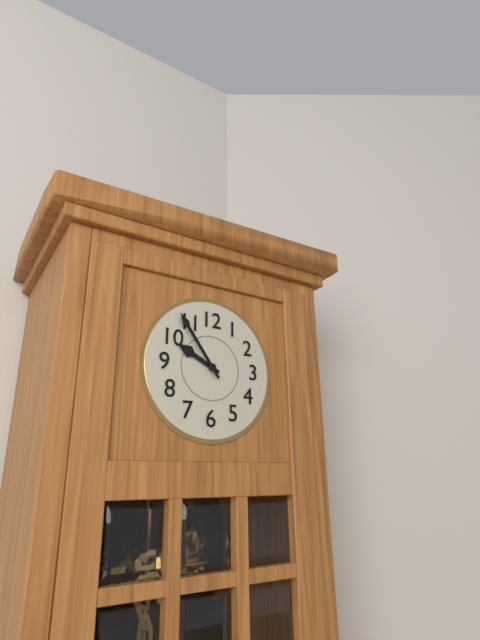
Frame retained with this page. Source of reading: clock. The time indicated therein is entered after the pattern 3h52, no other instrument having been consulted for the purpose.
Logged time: 9h54
